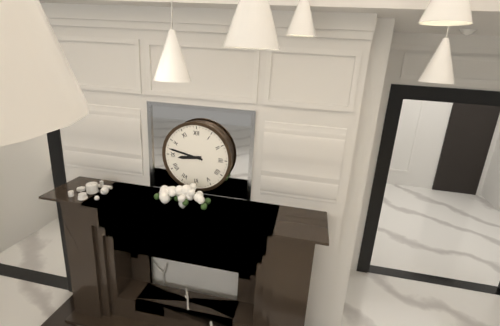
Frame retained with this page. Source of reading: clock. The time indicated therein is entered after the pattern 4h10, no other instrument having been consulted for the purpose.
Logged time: 8h47
